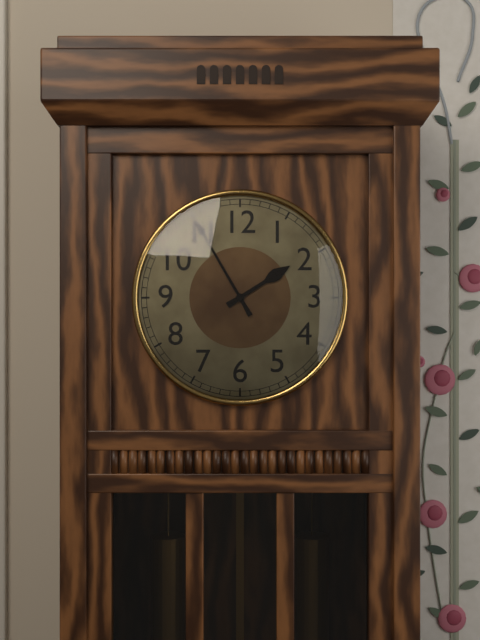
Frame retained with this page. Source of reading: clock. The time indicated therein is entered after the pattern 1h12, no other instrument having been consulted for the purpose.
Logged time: 1h55
